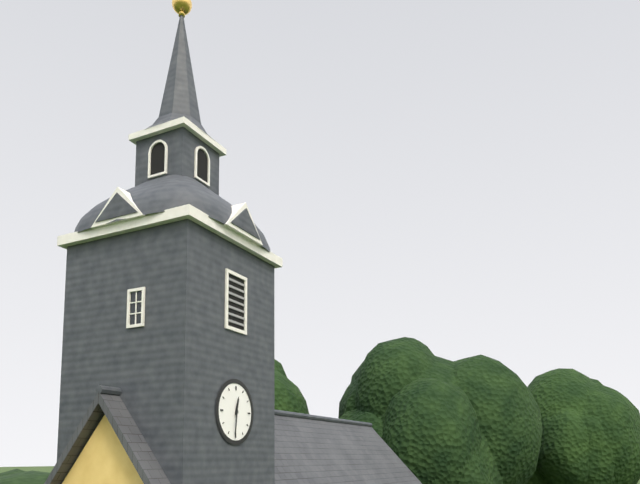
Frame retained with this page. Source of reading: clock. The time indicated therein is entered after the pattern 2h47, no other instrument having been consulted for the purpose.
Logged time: 12h31
